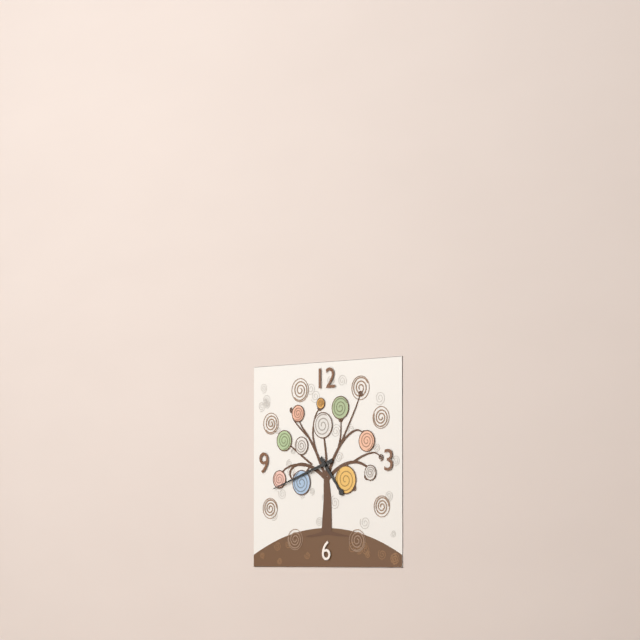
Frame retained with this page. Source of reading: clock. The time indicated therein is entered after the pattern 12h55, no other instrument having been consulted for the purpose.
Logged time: 4h42
